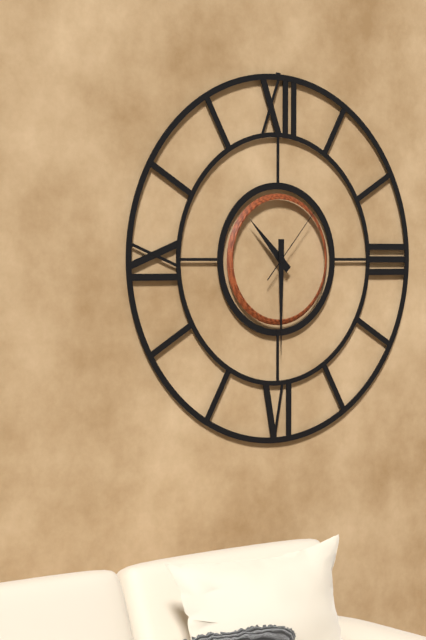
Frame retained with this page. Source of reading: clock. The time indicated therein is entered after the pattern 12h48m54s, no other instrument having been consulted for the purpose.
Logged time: 10h30m07s
